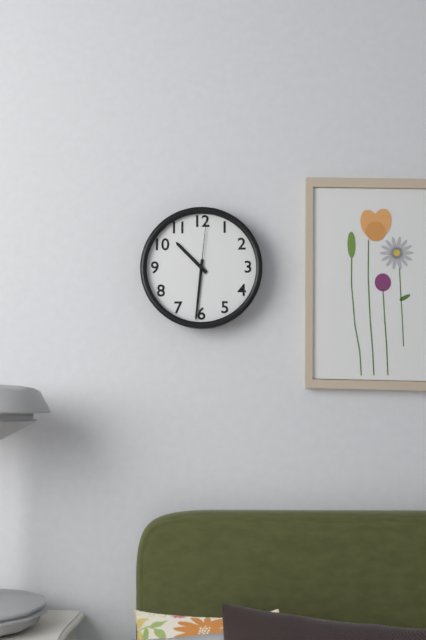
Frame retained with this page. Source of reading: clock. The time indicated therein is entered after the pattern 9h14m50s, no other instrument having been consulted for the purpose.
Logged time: 10h31m01s
